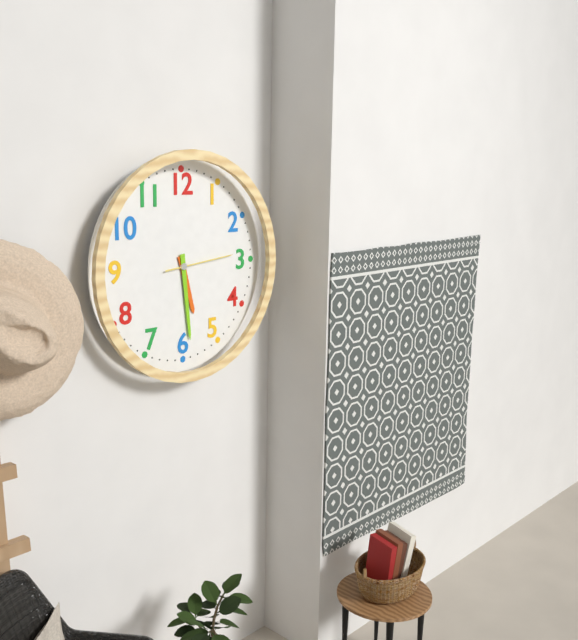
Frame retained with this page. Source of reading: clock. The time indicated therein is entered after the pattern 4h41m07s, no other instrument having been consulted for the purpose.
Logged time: 5h29m14s
